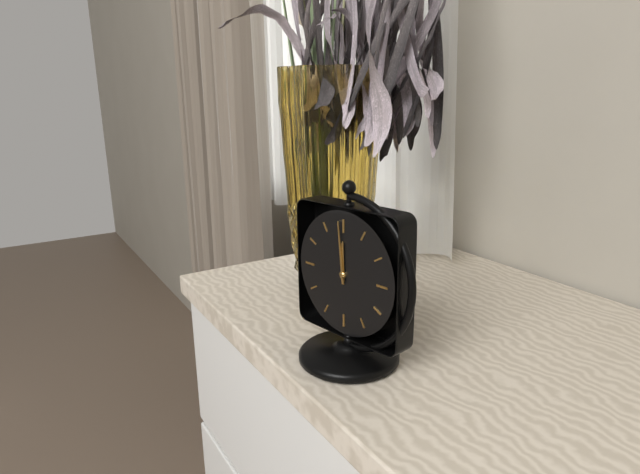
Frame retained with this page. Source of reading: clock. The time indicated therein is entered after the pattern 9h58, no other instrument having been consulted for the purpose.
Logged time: 11h59
